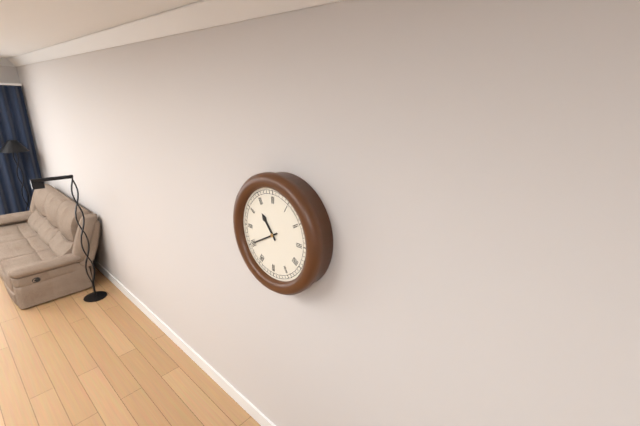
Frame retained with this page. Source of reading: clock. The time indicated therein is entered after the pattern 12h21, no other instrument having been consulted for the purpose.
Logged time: 10h40
